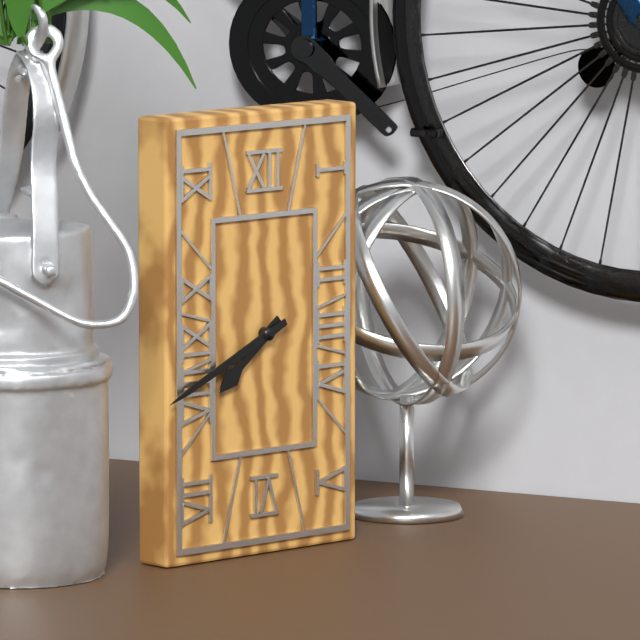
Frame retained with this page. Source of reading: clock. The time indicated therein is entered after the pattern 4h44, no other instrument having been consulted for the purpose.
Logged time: 7h41
